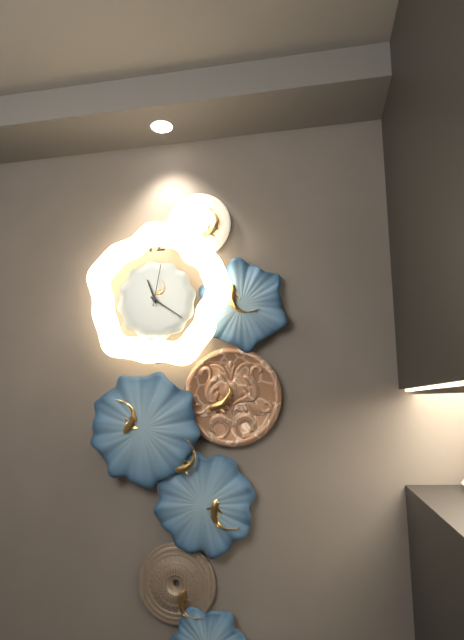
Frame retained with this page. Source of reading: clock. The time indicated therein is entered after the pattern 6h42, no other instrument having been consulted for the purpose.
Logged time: 11h21
